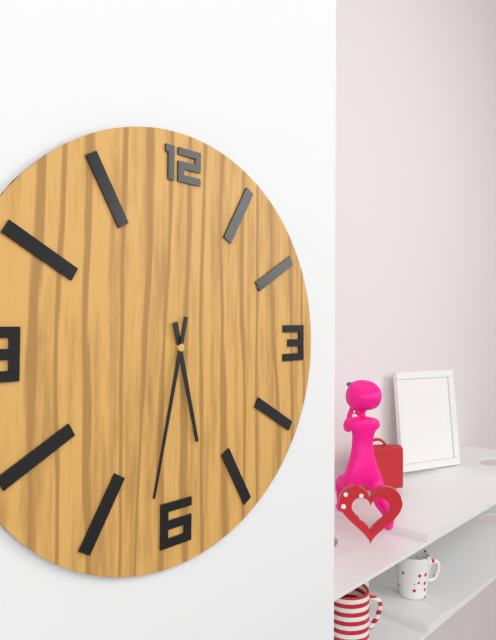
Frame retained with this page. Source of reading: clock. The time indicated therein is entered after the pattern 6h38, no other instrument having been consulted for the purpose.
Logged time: 5h32
